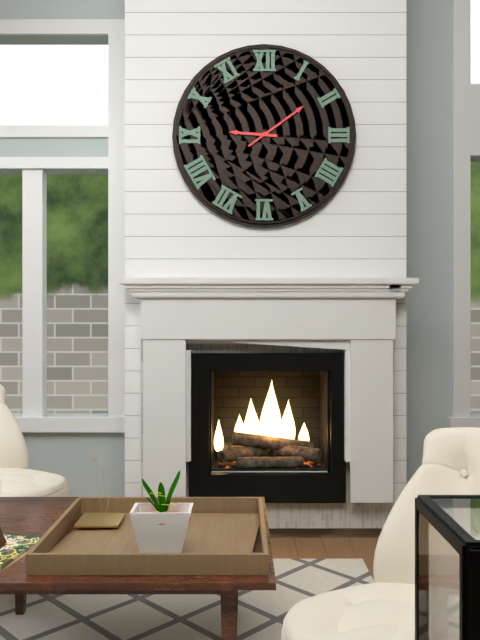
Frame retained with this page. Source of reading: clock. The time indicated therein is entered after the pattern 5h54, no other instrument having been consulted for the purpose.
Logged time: 9h09
